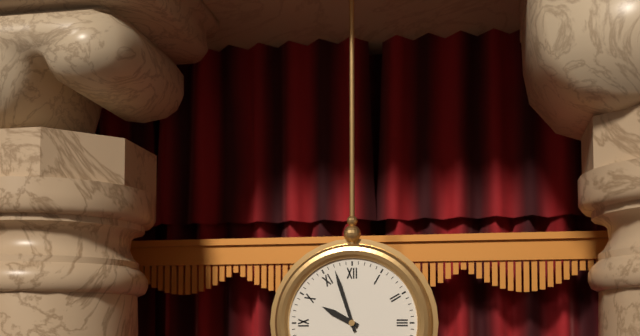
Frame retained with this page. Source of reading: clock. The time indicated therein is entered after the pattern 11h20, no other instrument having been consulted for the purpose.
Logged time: 9h57
